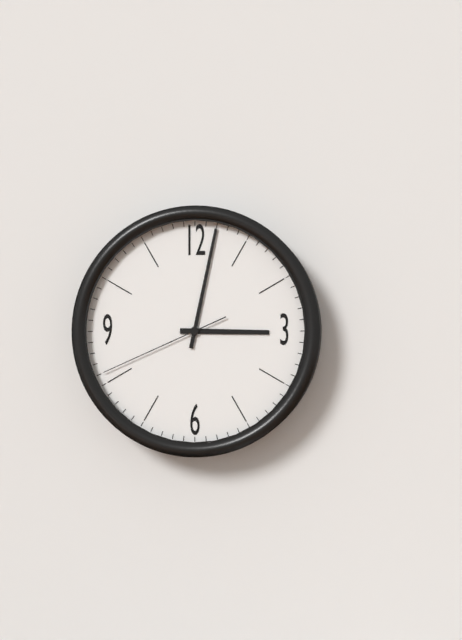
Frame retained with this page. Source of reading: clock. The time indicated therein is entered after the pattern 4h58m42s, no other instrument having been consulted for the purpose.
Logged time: 3h02m41s
